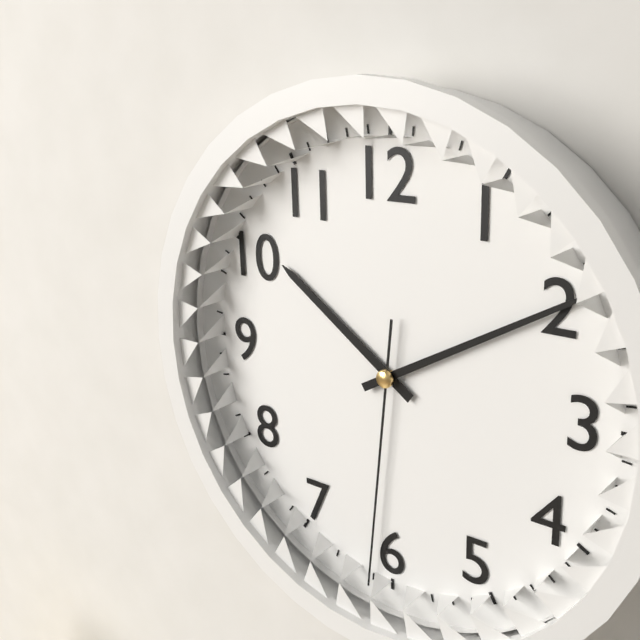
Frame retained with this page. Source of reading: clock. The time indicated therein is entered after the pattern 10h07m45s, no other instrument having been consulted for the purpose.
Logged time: 10h10m31s
